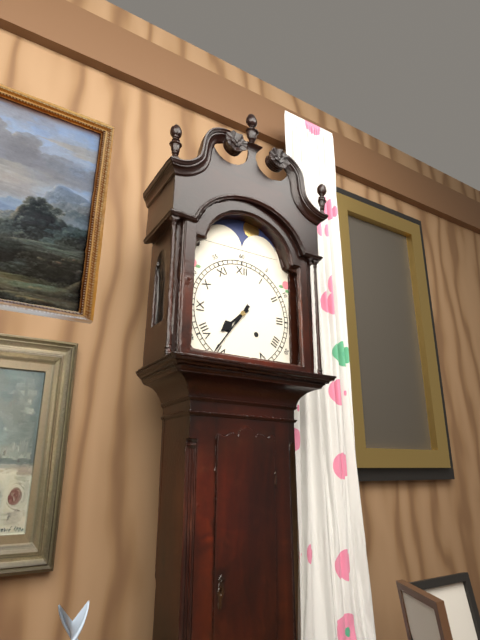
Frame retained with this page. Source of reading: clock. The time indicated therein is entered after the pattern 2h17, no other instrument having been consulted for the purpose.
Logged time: 7h36
